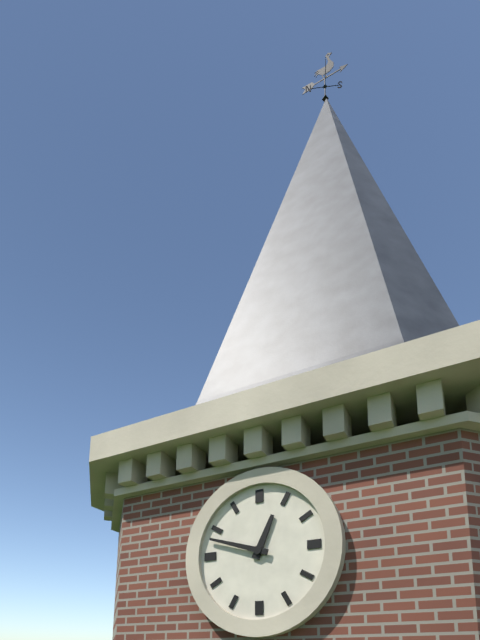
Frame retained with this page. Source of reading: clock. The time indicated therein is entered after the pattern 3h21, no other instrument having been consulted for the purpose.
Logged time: 12h48
